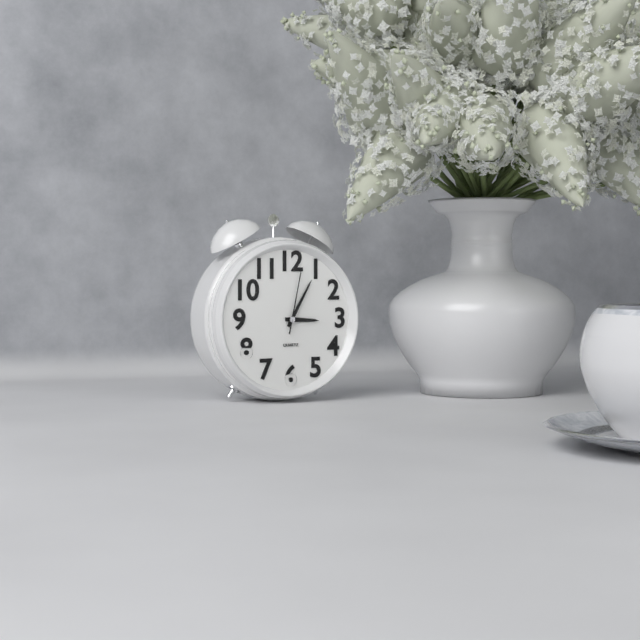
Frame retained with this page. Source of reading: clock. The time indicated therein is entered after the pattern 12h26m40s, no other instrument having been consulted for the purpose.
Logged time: 3h05m02s
